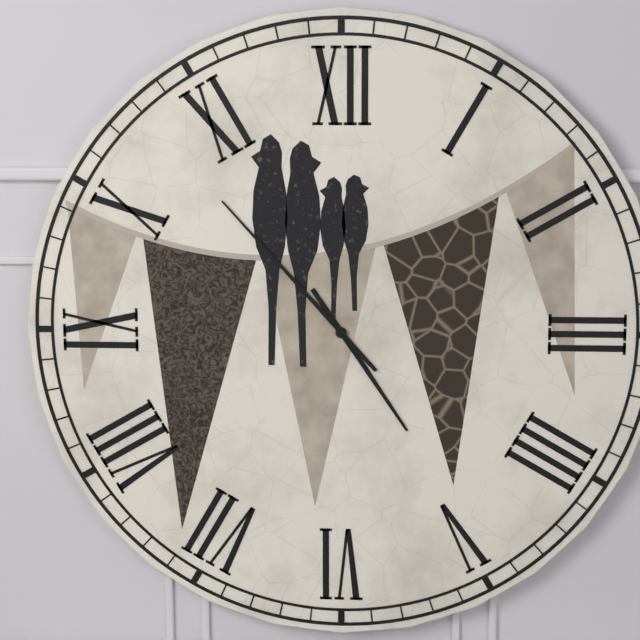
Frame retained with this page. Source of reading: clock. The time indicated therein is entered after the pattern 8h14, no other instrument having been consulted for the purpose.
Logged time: 4h53
